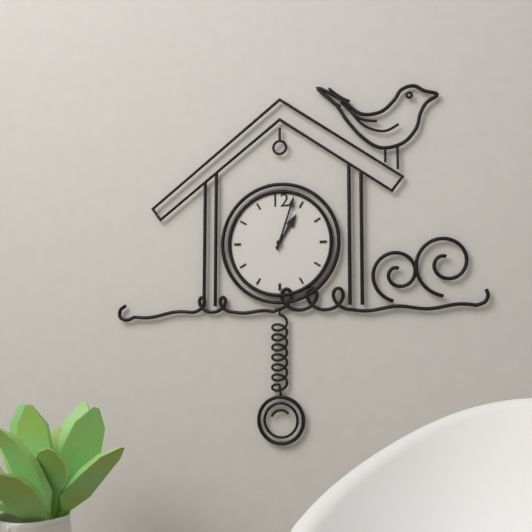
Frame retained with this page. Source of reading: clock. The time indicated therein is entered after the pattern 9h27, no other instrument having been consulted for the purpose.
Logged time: 1h03
